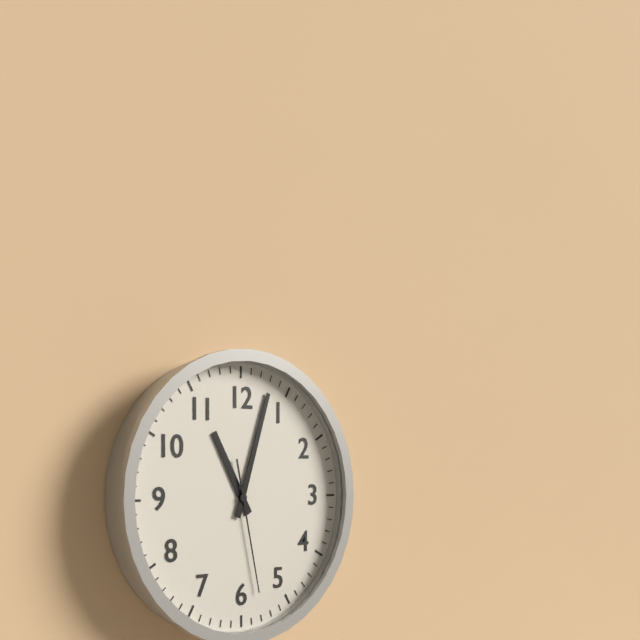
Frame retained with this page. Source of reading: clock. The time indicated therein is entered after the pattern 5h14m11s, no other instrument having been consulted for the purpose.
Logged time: 11h03m28s
